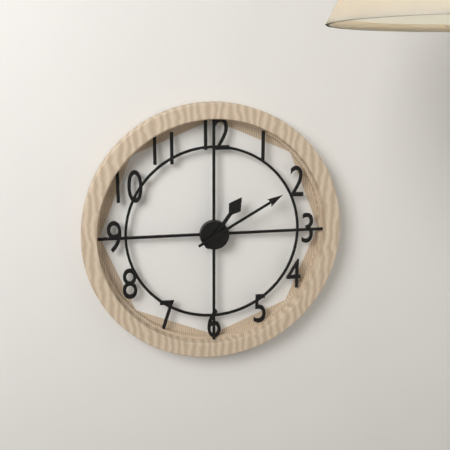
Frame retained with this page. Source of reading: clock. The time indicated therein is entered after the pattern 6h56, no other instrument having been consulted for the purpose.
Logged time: 1h10
